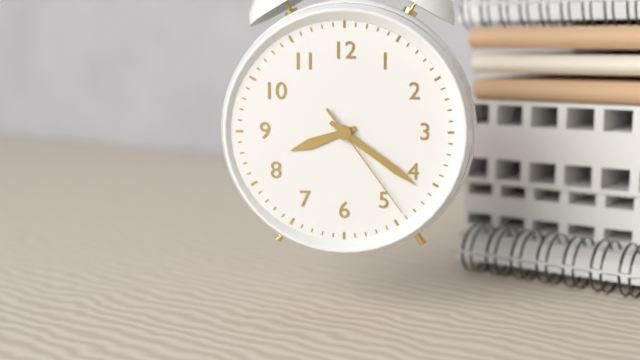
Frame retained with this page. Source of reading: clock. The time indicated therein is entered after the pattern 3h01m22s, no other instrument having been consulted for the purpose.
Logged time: 8h21m24s
